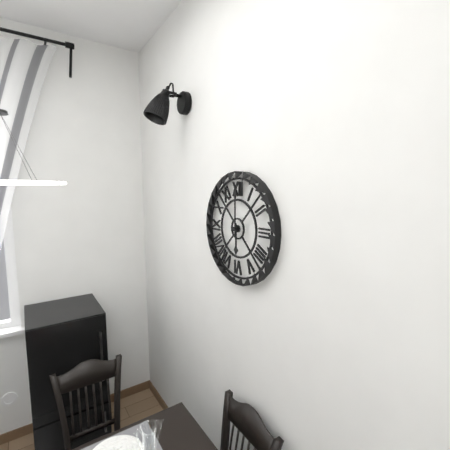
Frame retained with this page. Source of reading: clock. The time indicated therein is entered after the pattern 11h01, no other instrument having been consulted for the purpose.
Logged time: 6h00
